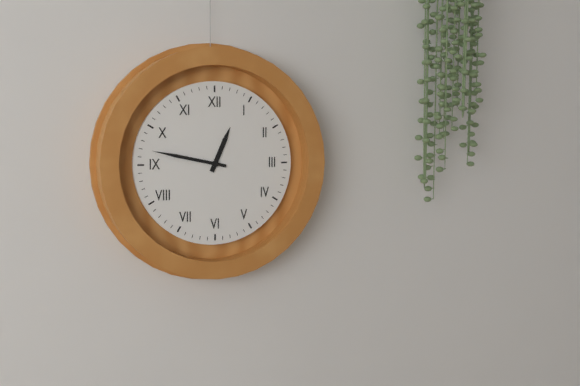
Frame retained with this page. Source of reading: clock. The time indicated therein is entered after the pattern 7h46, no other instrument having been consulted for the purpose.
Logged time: 12h47
